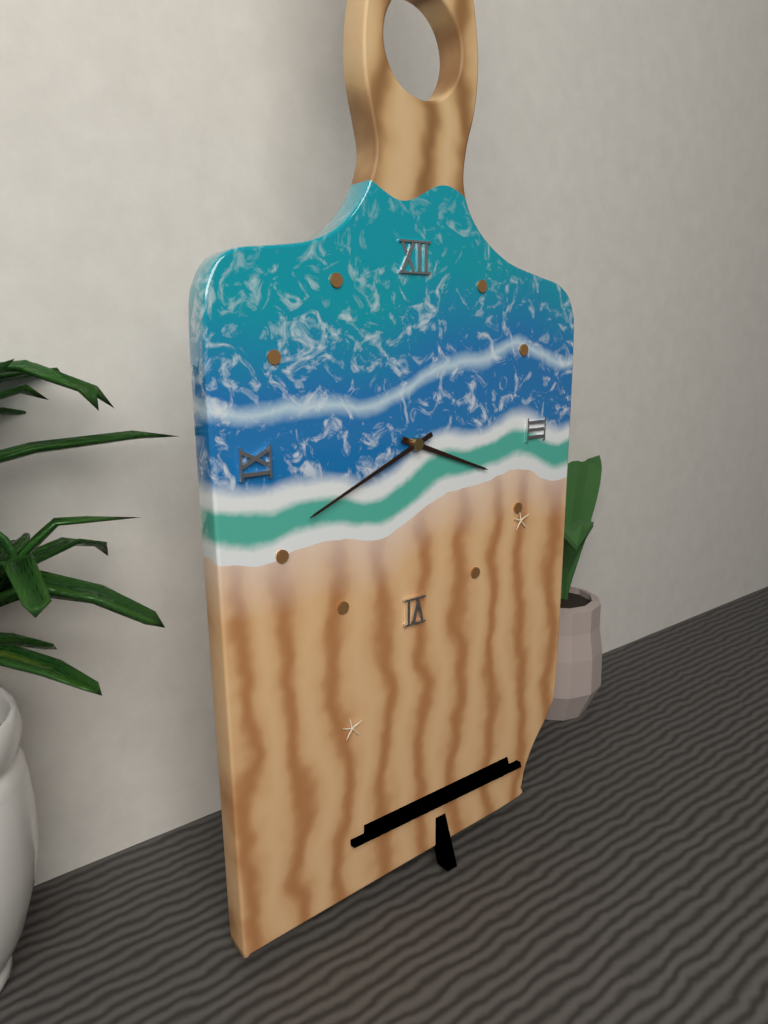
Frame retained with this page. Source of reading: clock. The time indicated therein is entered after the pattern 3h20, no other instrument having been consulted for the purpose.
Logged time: 3h41
